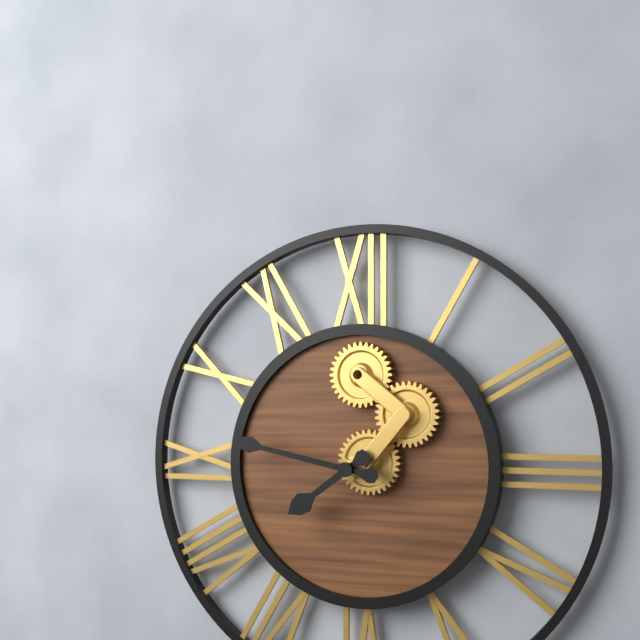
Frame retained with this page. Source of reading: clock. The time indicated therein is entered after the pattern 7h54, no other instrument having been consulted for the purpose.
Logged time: 7h47
